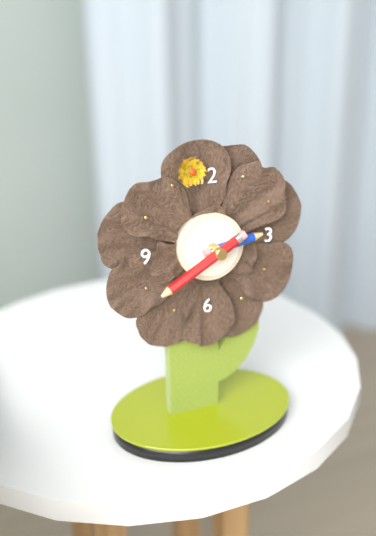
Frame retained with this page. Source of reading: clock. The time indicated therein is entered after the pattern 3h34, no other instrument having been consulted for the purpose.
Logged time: 2h40
